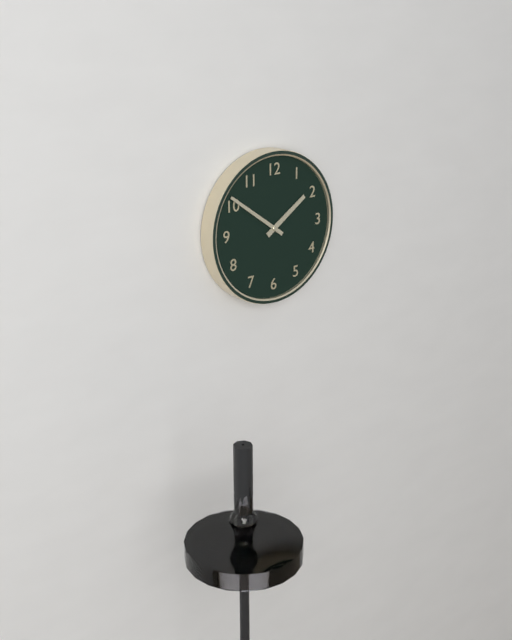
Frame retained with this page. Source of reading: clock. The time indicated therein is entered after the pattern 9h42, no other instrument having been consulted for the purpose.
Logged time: 1h51
